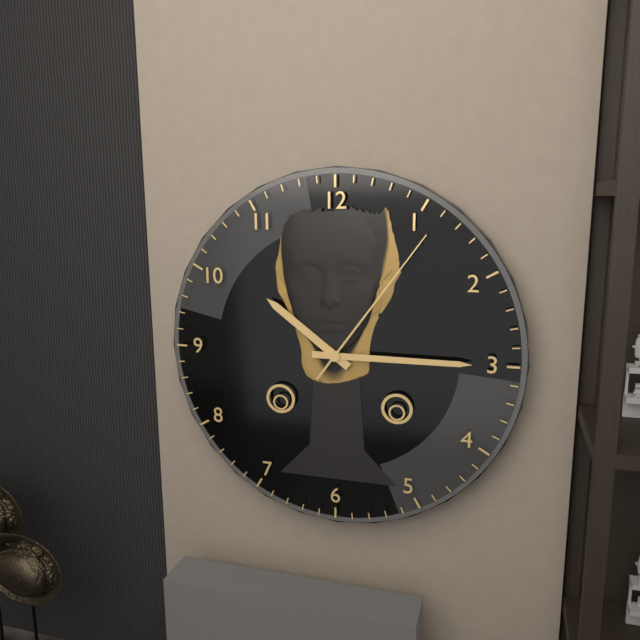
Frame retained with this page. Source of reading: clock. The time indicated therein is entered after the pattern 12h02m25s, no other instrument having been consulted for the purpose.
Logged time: 10h15m06s
